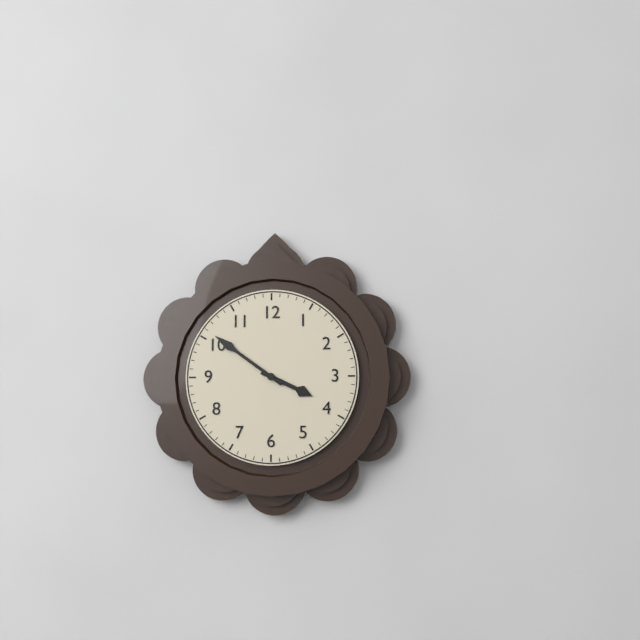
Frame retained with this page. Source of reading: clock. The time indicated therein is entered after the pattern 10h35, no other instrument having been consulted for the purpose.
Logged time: 3h51
